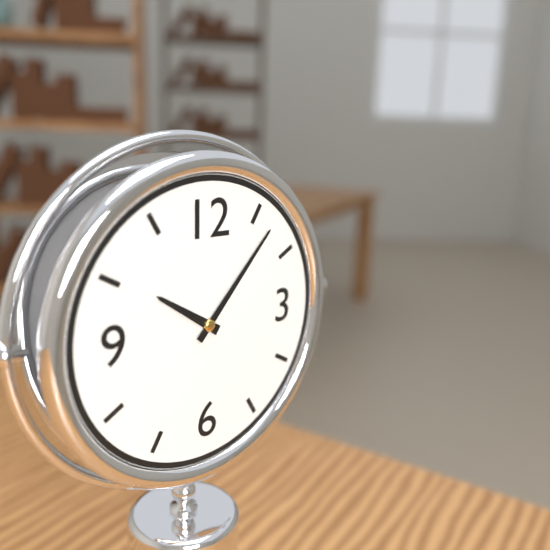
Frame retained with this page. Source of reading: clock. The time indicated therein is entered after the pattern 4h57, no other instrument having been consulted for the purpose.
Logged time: 10h07
